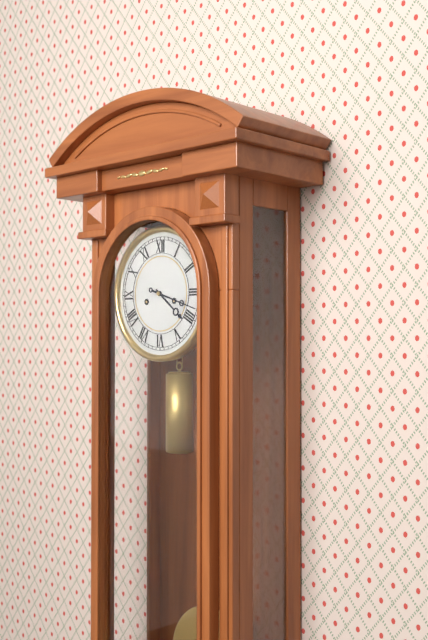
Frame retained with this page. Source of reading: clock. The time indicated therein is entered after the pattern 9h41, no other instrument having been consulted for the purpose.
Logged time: 4h18
